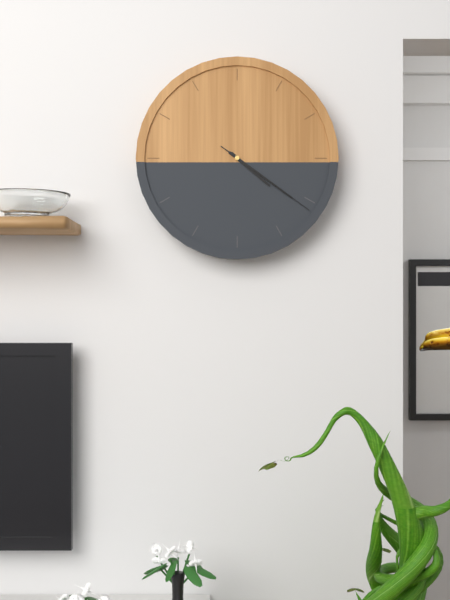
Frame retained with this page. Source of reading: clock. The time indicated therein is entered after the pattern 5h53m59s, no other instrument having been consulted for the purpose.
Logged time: 4h21m21s
